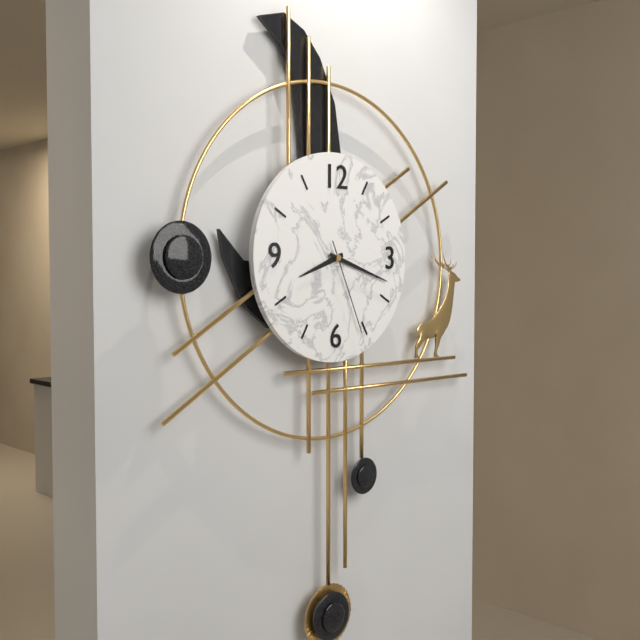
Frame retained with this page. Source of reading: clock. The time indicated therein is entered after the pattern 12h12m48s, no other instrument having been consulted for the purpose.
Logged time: 8h18m26s
